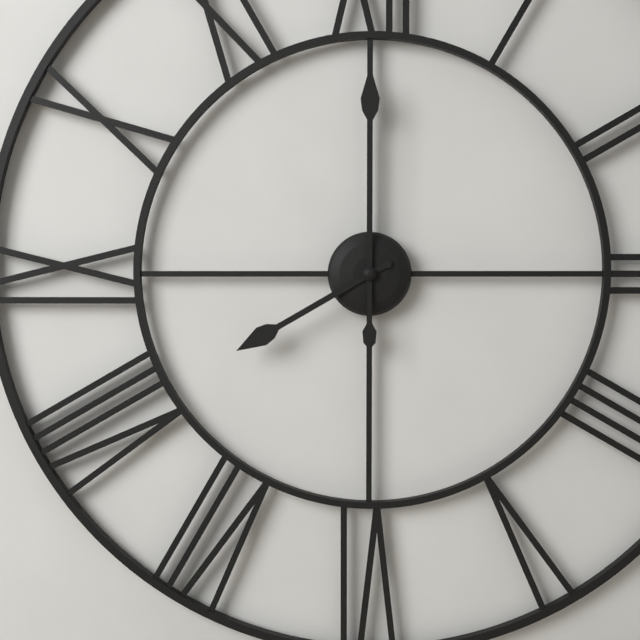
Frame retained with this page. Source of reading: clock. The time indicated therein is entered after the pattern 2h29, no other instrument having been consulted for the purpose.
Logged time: 8h00
